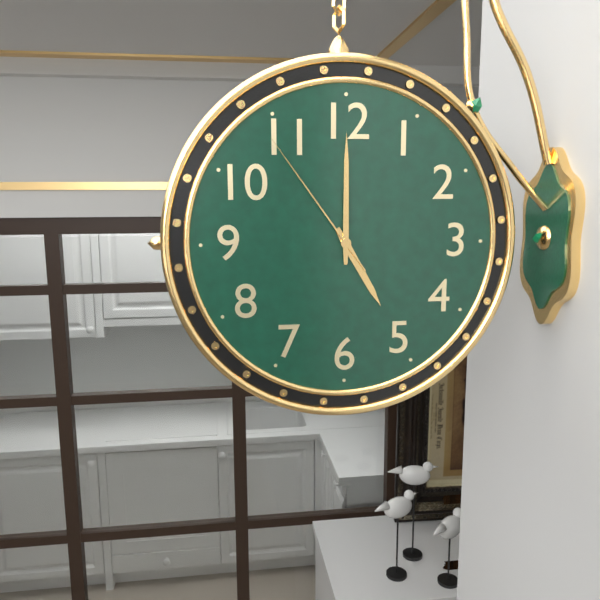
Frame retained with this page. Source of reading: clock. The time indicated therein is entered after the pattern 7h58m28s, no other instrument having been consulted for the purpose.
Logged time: 5h00m54s
